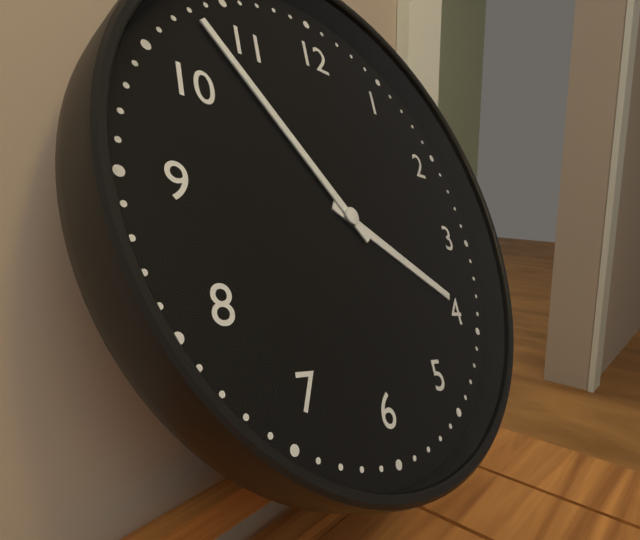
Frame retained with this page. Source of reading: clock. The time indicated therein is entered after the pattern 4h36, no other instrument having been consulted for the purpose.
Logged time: 3h53
